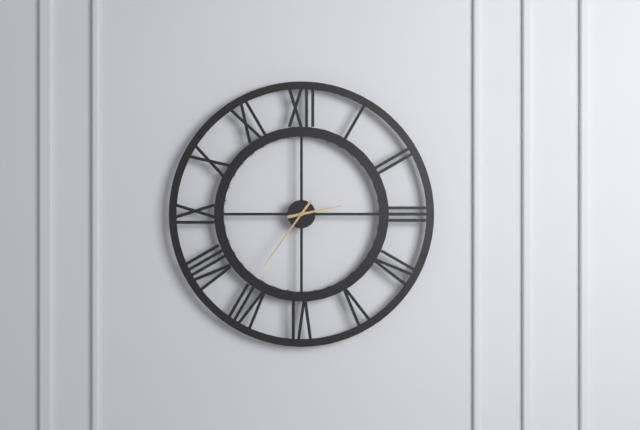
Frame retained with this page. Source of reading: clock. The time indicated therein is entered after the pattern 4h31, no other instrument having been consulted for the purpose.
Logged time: 2h36
